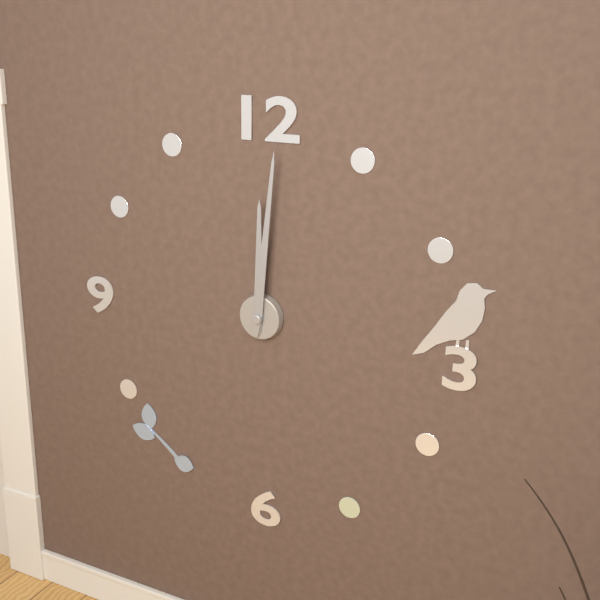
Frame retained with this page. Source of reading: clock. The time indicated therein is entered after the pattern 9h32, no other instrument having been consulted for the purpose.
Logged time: 12h01
